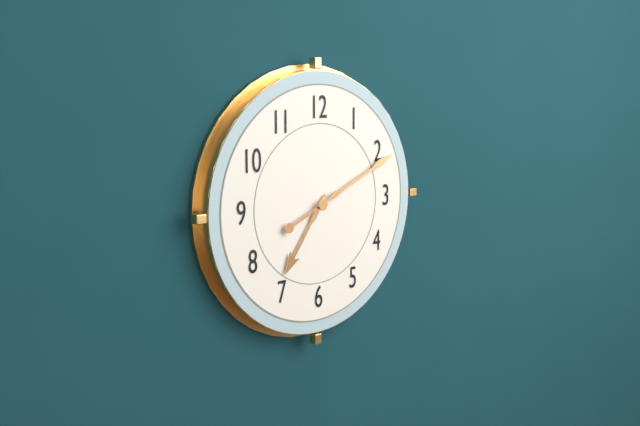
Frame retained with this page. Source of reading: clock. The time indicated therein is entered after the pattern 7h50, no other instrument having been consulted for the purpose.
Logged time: 7h11
